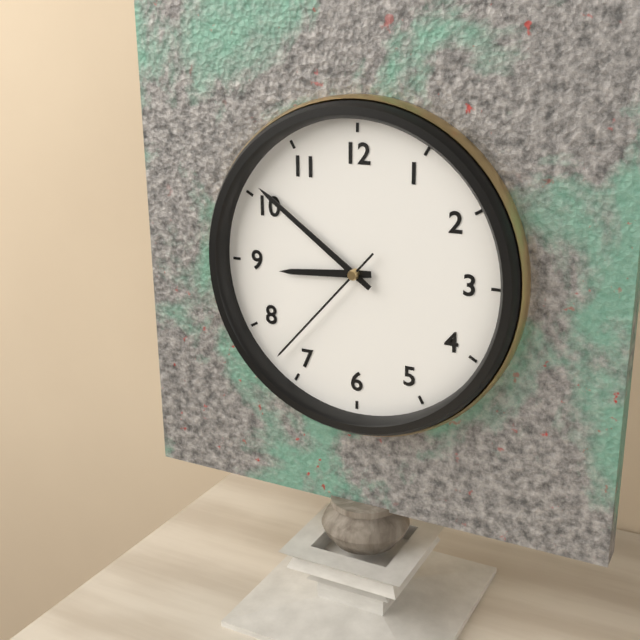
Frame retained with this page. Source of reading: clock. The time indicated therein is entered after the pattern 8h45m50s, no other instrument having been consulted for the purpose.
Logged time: 8h51m37s
